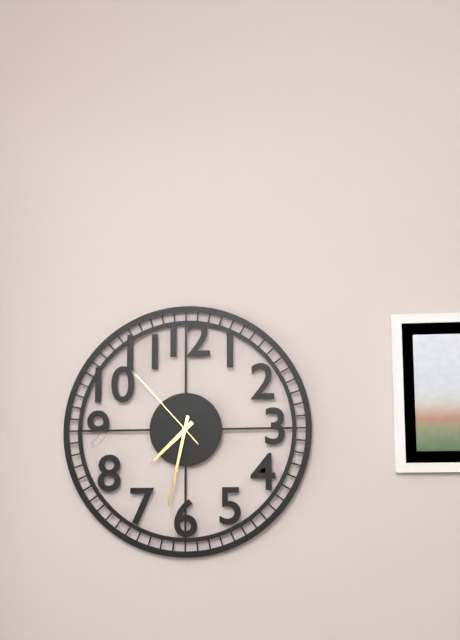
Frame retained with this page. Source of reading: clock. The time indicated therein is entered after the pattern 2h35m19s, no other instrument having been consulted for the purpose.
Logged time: 7h32m53s
